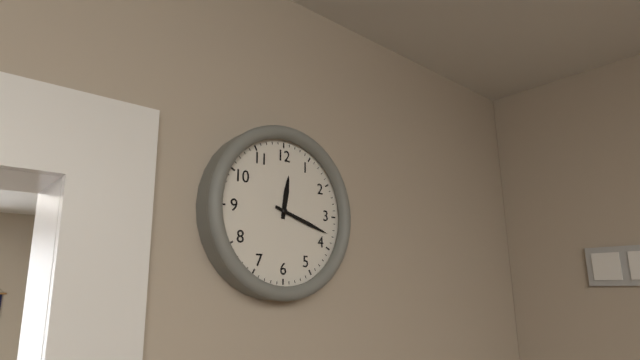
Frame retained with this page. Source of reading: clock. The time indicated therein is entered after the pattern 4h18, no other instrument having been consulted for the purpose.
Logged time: 12h18
